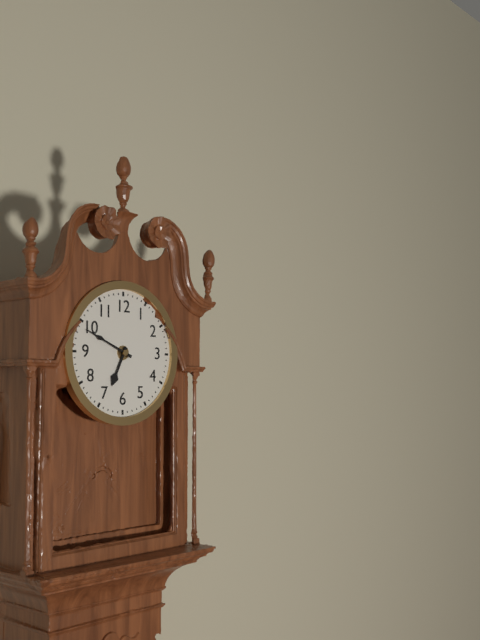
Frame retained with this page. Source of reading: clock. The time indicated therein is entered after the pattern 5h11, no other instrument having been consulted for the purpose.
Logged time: 6h49
